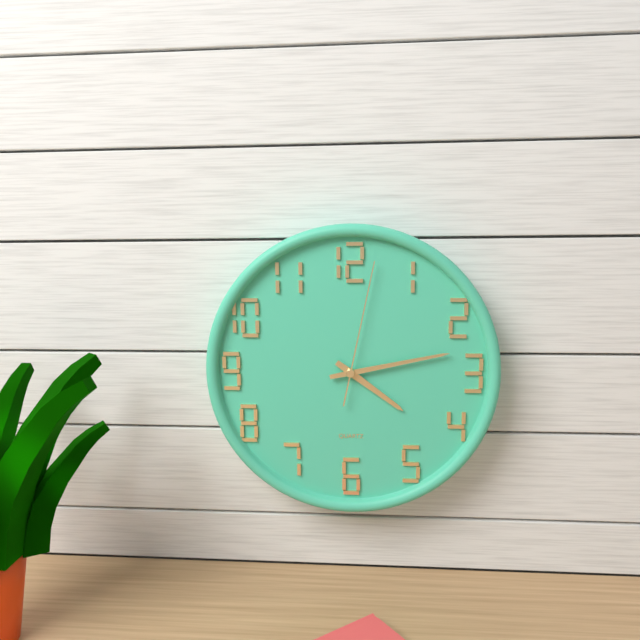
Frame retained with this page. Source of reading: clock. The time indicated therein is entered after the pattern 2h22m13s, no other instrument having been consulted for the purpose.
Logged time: 4h13m02s
